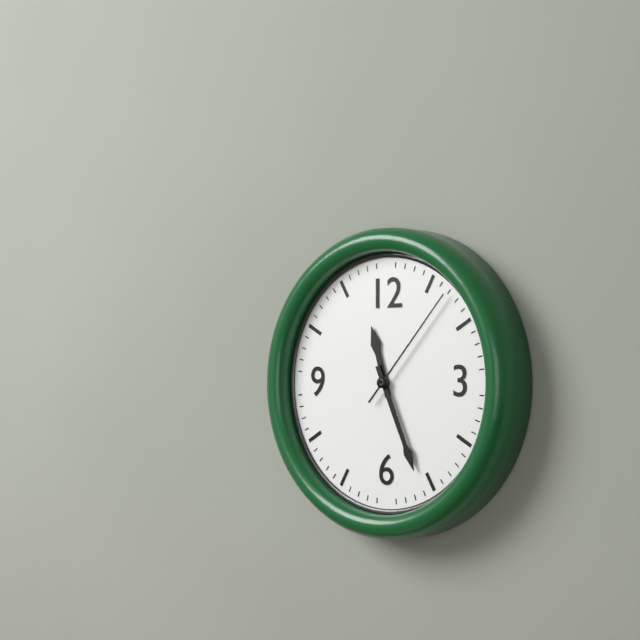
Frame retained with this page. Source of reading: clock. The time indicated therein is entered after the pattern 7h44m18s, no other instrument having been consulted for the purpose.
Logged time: 11h26m07s
